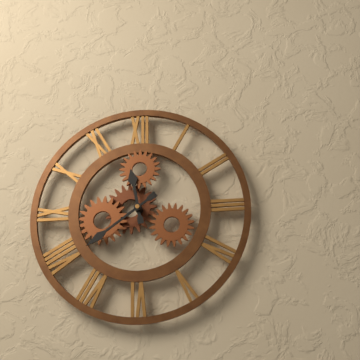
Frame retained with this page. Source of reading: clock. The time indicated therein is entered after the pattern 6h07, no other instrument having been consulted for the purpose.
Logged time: 11h39
